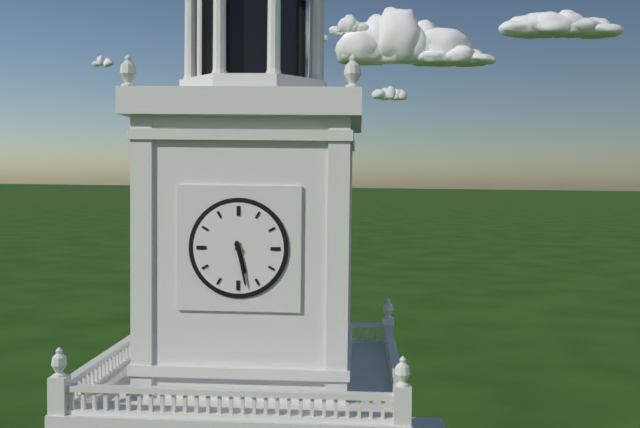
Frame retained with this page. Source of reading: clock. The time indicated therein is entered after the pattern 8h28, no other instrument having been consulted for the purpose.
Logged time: 5h28
